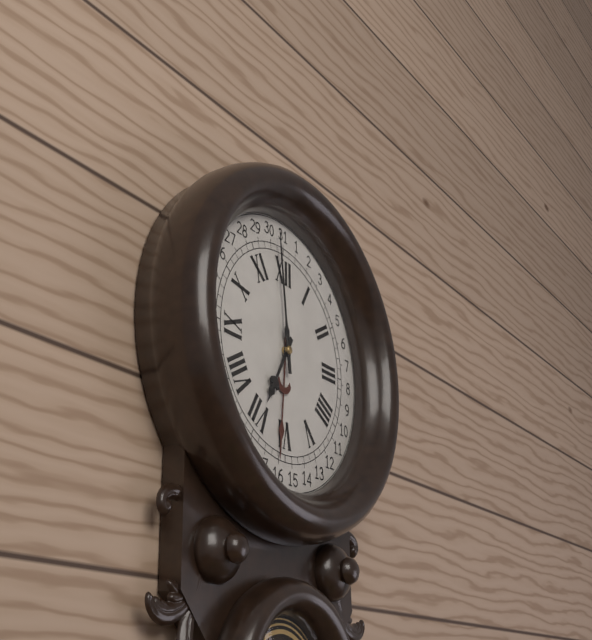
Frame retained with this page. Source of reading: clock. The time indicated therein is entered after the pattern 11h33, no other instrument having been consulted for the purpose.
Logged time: 6h59
